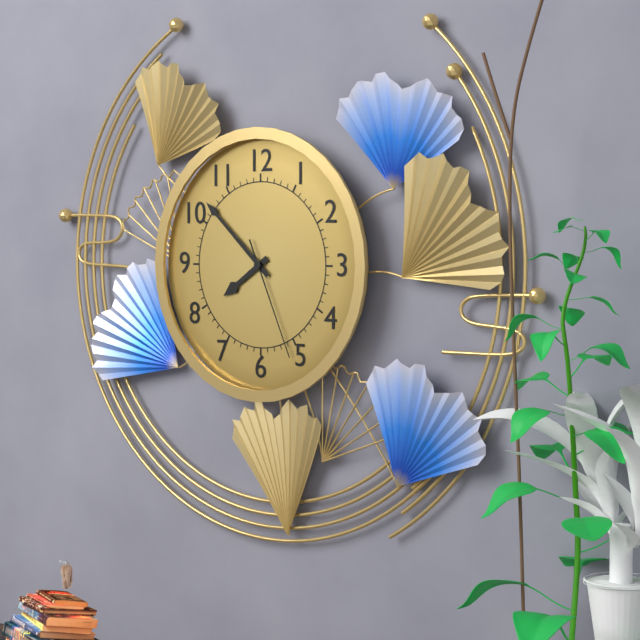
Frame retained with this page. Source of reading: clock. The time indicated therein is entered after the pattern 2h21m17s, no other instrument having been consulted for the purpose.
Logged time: 7h52m26s
